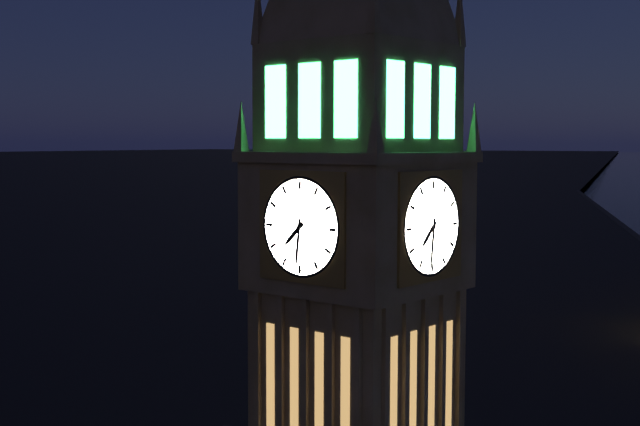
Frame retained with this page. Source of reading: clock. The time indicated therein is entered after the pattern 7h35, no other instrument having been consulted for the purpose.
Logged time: 7h31
